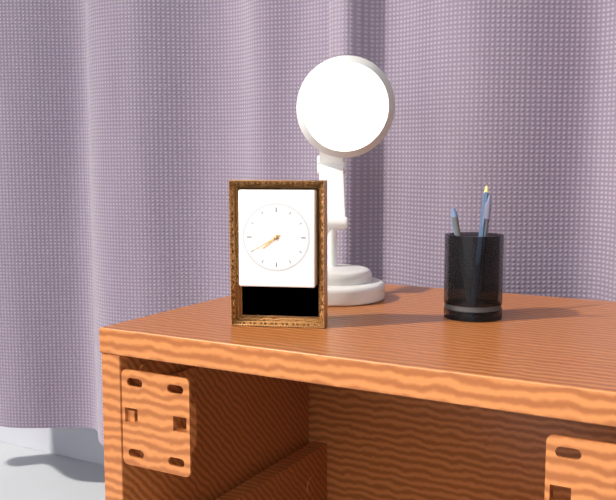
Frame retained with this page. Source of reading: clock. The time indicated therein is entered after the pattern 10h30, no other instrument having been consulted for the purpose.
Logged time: 7h40
